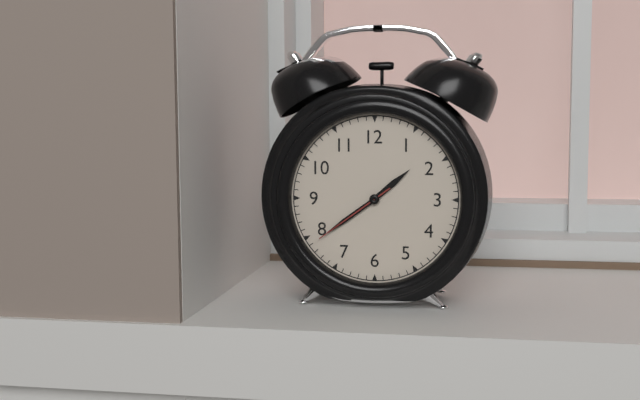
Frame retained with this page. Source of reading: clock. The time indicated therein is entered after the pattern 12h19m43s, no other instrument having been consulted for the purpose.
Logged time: 1h39m39s
